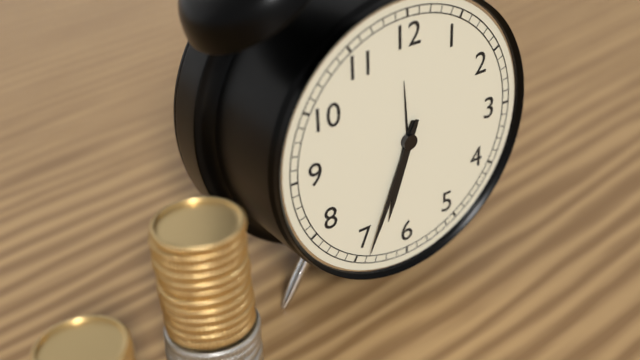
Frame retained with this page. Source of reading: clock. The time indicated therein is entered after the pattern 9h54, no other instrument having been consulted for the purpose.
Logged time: 6h34
